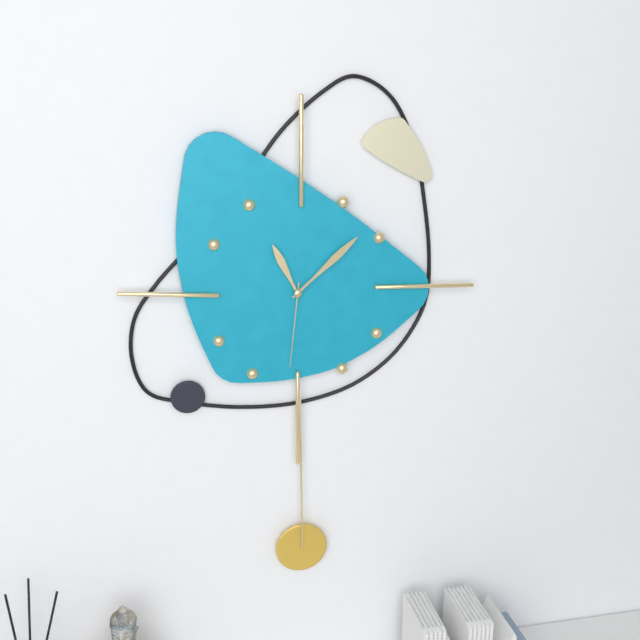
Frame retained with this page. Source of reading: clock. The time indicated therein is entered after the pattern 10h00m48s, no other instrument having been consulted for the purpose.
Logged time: 11h08m31s
